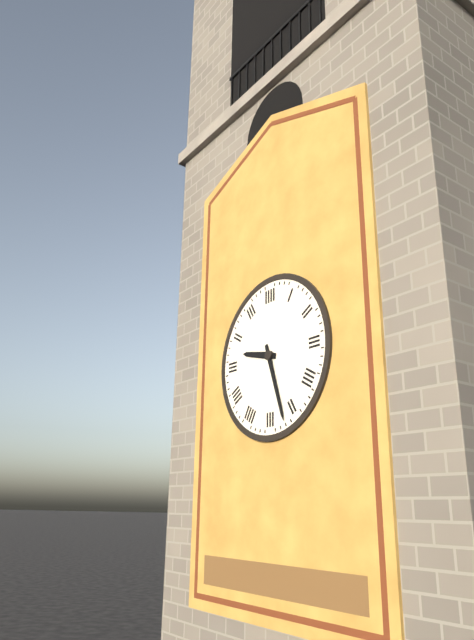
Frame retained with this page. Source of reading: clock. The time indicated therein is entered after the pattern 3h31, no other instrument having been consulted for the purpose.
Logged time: 9h27
